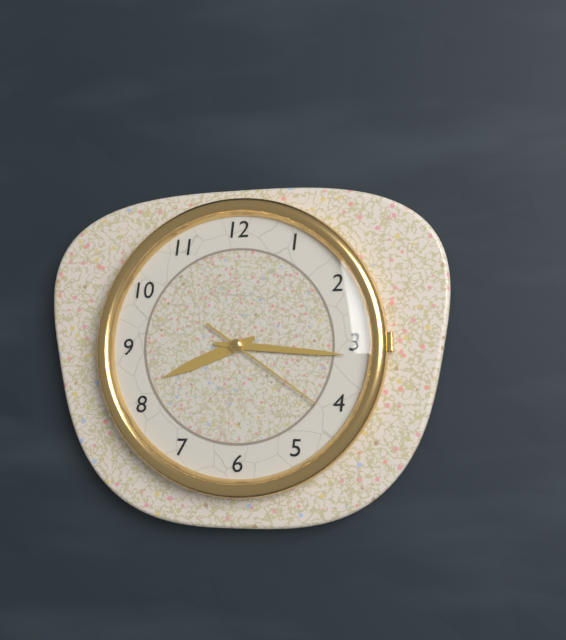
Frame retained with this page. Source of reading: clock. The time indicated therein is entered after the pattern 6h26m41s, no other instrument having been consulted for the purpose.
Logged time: 8h16m21s
